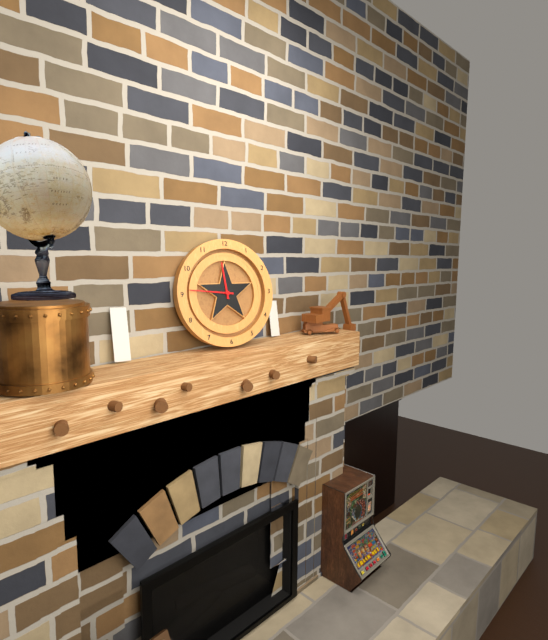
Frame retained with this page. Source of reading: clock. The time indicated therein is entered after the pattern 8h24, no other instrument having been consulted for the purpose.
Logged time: 11h46
